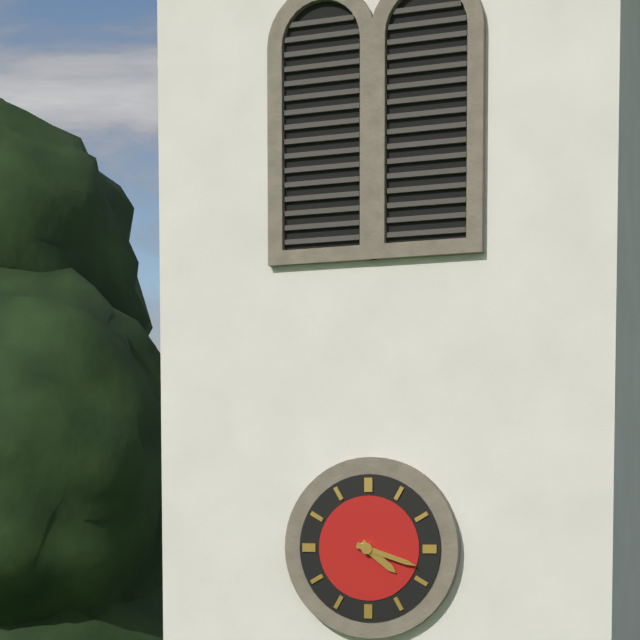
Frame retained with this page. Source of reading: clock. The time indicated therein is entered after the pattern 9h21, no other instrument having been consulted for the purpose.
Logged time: 4h18
